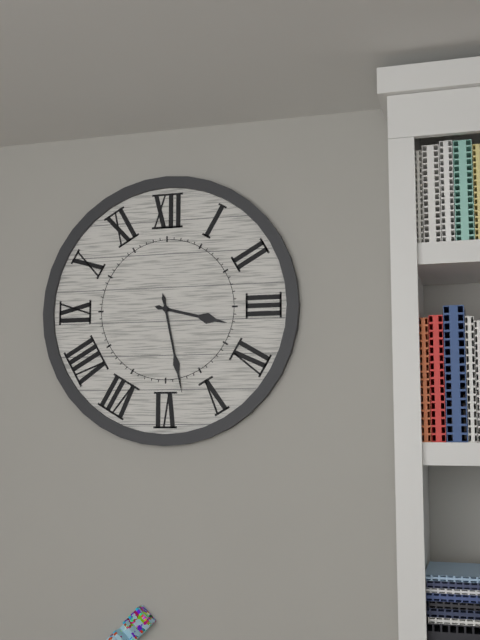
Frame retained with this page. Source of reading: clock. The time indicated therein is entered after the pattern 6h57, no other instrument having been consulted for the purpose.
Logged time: 3h28
